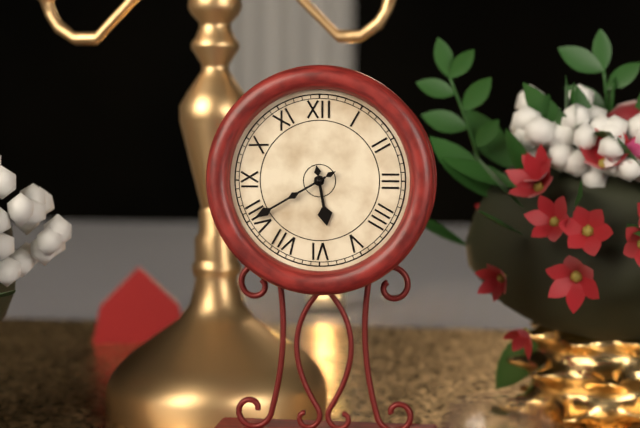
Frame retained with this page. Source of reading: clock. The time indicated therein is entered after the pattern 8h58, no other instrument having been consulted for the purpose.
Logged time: 5h40
